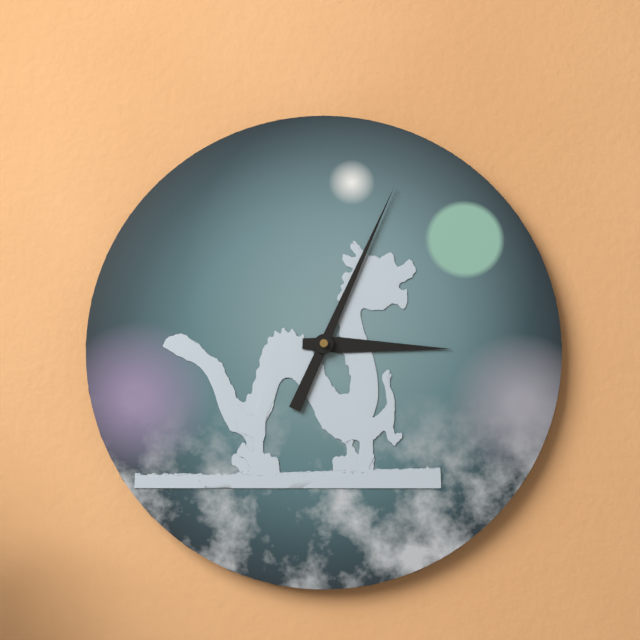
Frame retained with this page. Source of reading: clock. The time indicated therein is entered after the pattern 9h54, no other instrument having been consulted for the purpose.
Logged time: 3h04
